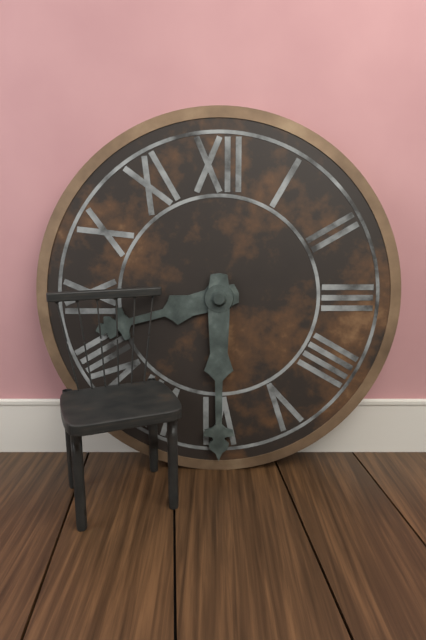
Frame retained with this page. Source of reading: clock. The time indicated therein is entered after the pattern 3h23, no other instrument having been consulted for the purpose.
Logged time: 8h30
